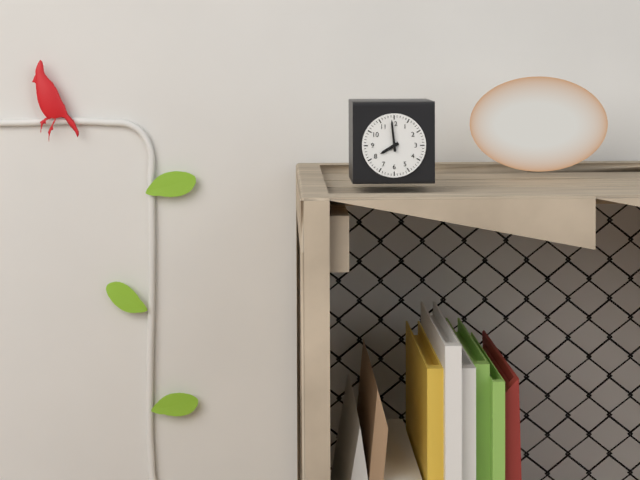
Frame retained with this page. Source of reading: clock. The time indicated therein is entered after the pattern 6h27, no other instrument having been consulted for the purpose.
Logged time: 7h59
